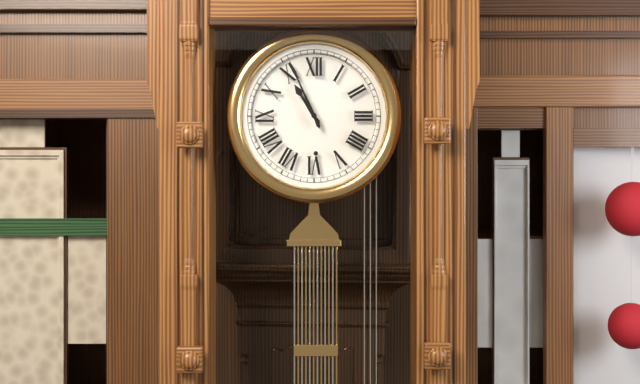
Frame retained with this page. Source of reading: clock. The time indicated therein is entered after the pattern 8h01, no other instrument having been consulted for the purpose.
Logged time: 10h56
